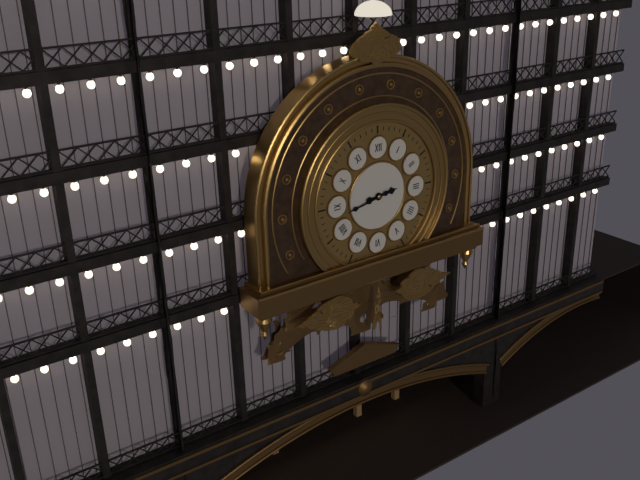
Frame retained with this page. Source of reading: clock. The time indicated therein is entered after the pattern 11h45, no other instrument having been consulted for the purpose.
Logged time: 2h43
